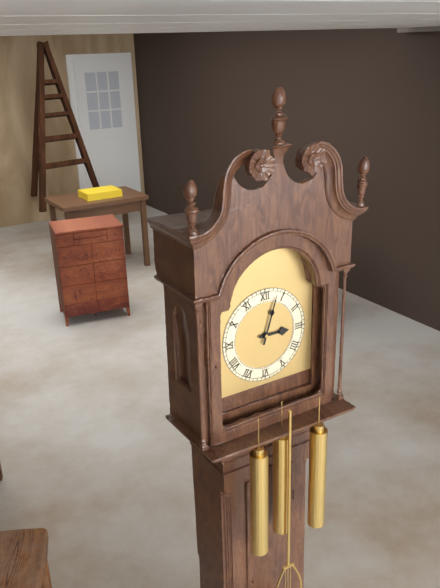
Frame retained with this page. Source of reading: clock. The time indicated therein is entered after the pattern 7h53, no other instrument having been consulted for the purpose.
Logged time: 3h03
